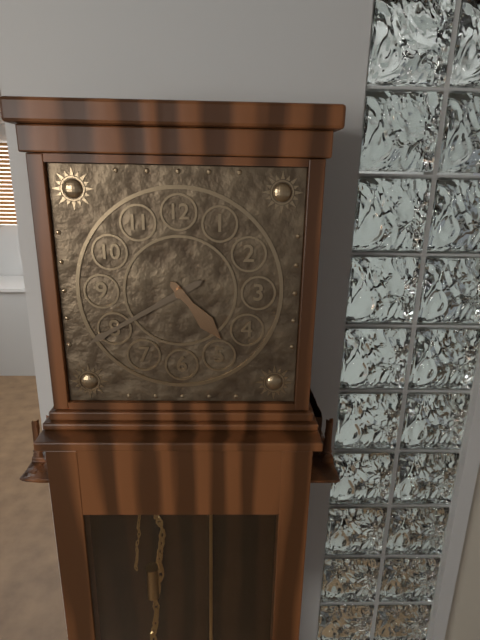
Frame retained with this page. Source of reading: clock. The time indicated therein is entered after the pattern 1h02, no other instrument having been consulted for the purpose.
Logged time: 4h40
